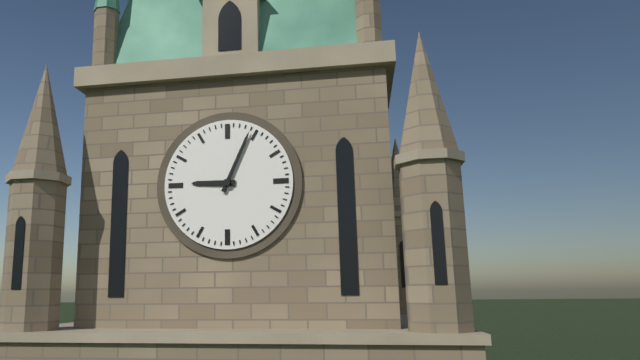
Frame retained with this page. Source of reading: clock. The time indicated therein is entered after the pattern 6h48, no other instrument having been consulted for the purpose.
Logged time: 9h04
